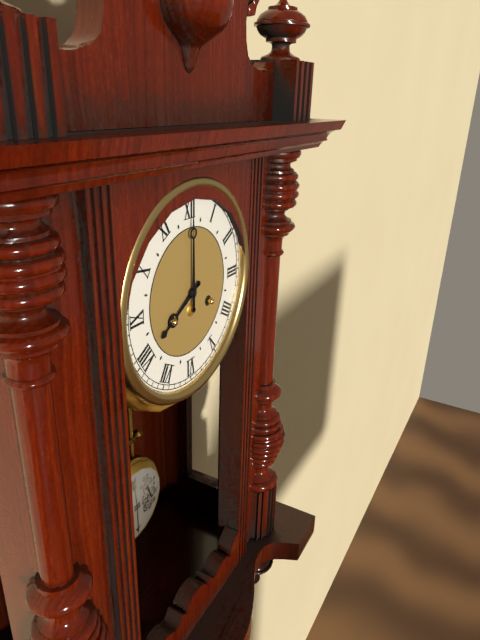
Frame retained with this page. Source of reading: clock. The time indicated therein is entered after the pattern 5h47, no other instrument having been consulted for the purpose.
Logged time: 8h00
